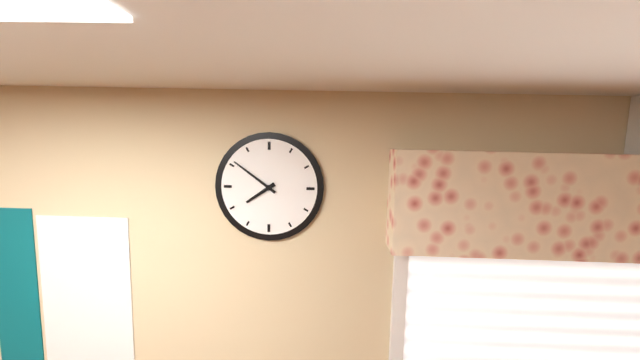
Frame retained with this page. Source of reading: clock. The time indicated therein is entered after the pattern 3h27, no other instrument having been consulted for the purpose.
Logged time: 7h51
